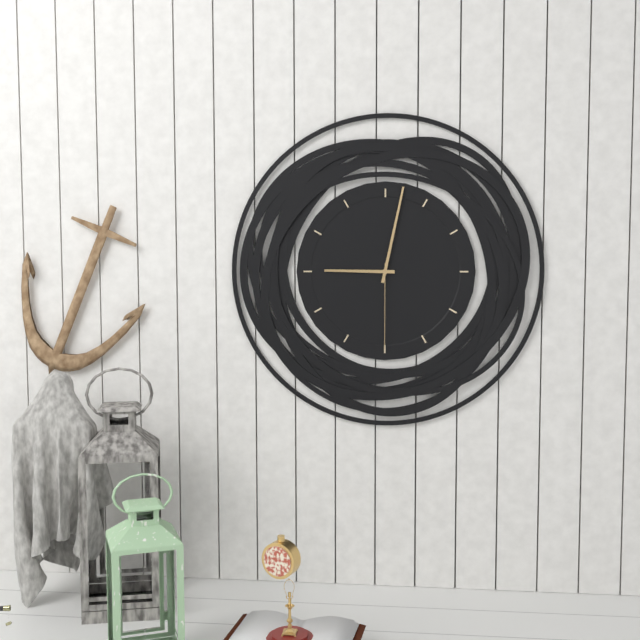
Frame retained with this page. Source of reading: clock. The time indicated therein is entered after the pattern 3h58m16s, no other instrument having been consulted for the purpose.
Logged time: 9h02m30s
